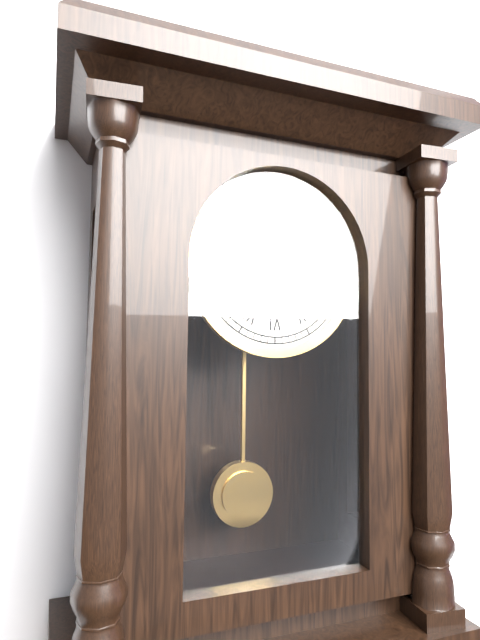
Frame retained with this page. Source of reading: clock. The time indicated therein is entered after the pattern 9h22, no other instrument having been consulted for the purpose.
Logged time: 6h07
